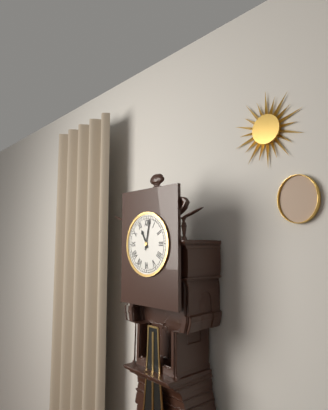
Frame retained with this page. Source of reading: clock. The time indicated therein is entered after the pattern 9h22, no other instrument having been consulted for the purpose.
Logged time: 11h02
